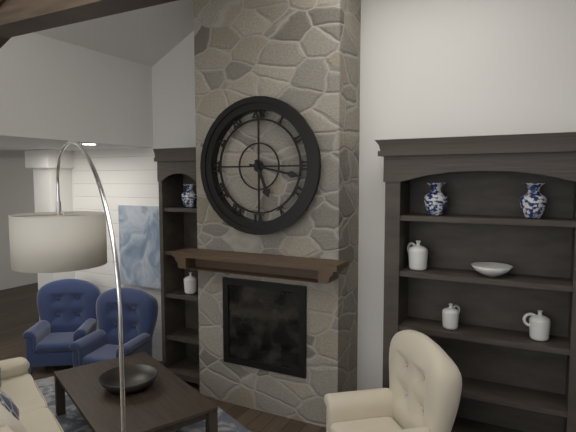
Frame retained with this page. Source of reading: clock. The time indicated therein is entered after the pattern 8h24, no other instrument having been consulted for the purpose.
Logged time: 5h17
